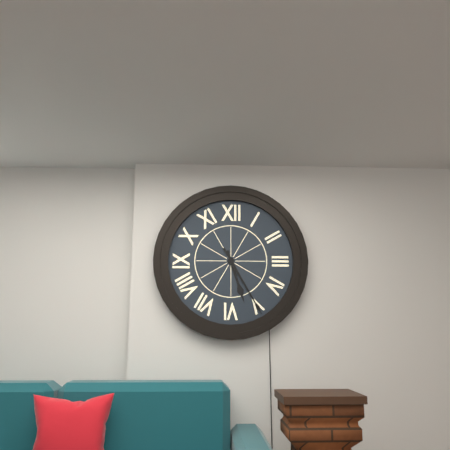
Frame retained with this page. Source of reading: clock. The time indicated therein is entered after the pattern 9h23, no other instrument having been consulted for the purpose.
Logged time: 5h25
